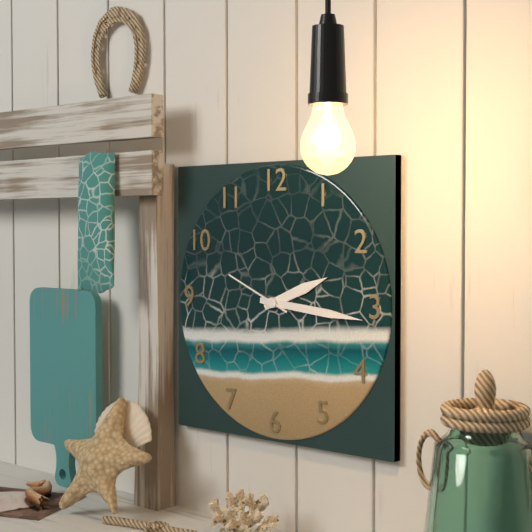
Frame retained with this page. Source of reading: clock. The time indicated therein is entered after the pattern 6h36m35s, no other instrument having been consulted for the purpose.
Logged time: 2h16m49s
